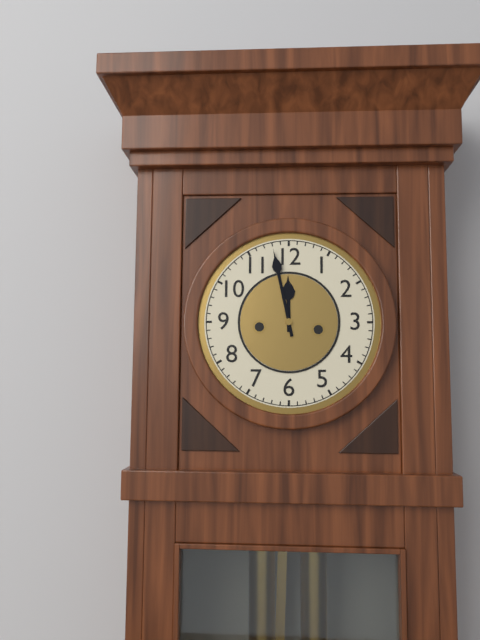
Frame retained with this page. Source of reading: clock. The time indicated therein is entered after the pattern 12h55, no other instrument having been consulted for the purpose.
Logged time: 11h58
